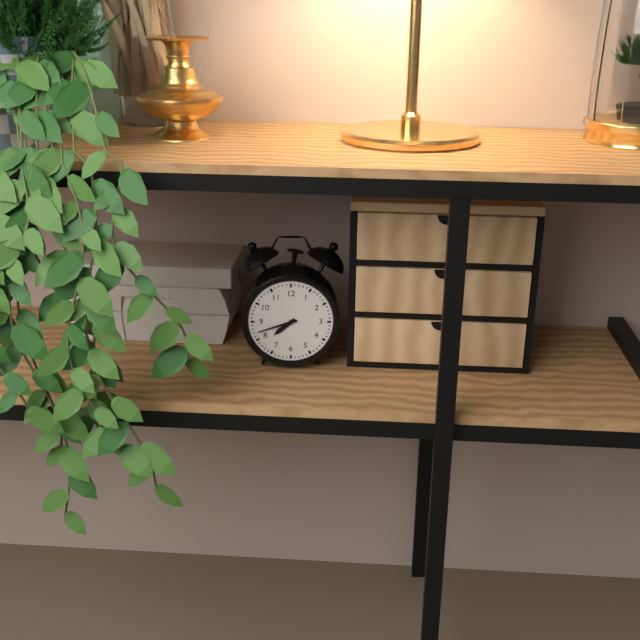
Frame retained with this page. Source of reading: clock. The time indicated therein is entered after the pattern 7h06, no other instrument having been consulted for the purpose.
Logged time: 7h42
